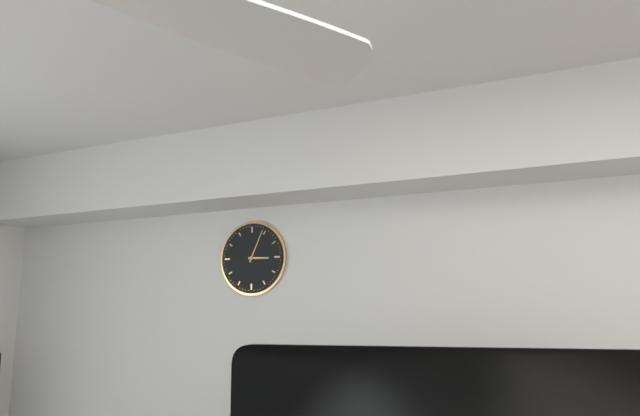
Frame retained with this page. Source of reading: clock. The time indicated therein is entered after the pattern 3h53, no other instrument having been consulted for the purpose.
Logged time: 3h04
